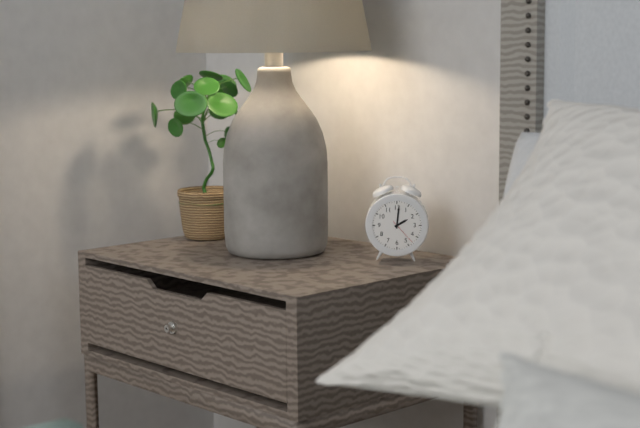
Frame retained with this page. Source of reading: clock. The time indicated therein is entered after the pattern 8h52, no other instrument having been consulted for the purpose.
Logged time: 2h01
